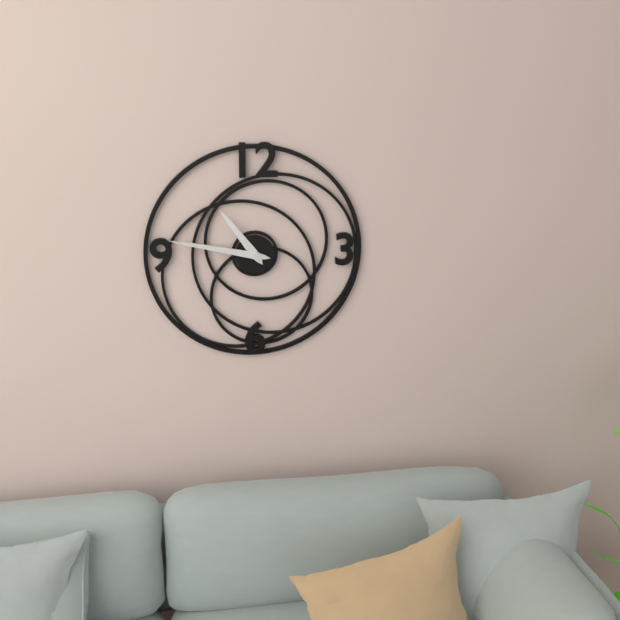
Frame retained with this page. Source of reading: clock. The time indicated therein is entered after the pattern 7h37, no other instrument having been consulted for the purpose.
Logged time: 10h47
